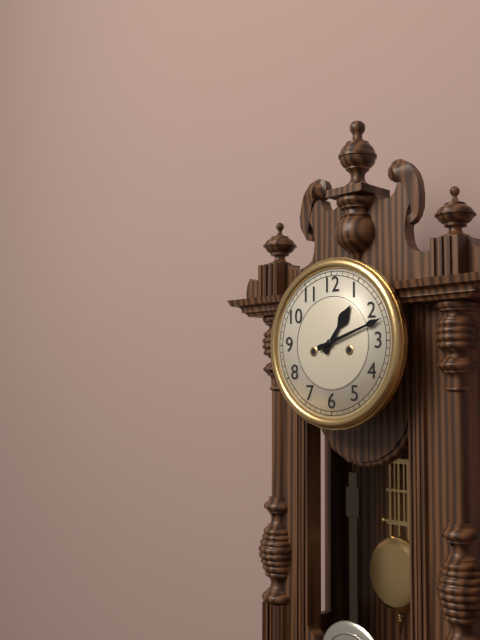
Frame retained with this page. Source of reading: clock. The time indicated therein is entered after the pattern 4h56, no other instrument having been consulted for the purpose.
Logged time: 1h12
